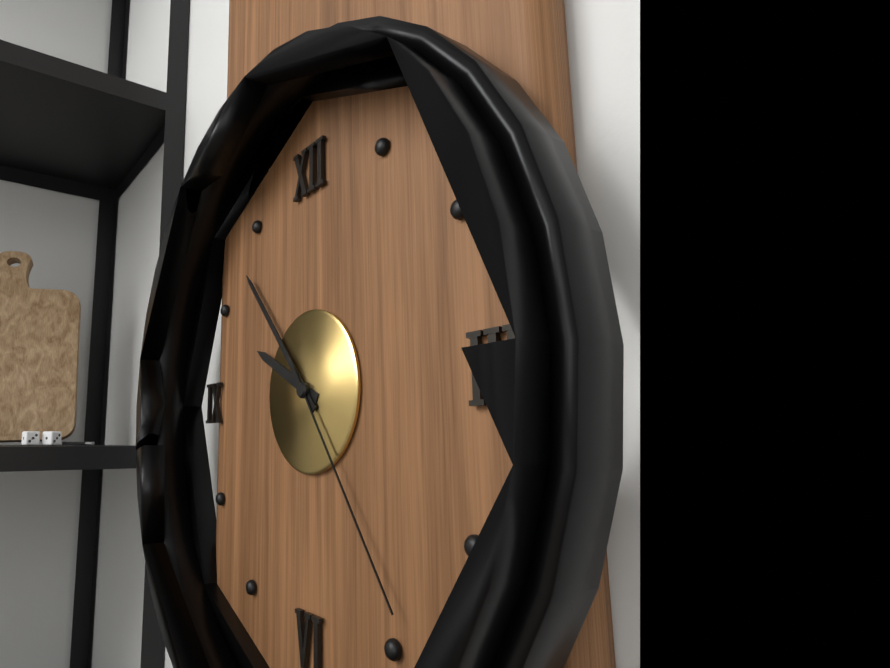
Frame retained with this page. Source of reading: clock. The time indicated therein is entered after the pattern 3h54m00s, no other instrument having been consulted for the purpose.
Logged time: 9h53m24s
